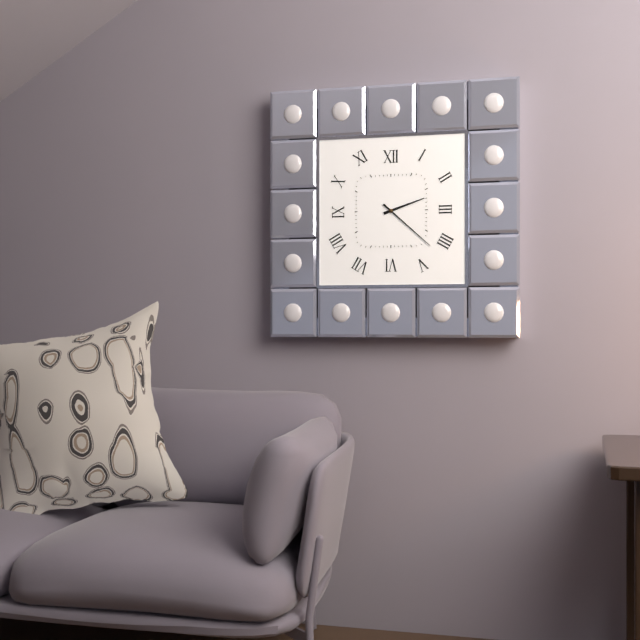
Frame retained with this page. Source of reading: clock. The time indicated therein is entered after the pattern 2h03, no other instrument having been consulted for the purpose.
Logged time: 2h22
